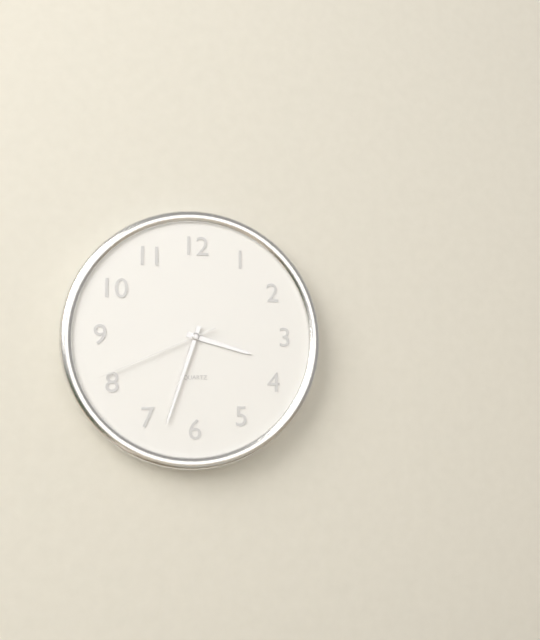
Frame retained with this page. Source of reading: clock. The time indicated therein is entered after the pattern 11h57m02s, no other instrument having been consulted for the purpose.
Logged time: 3h33m41s
